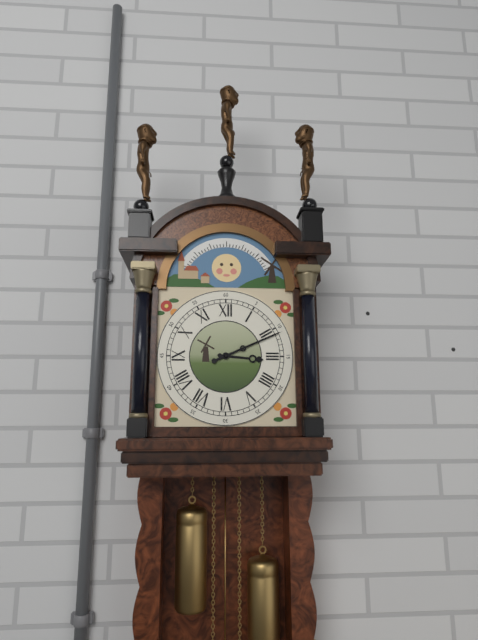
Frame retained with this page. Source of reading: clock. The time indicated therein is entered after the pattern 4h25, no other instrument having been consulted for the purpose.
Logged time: 3h11
